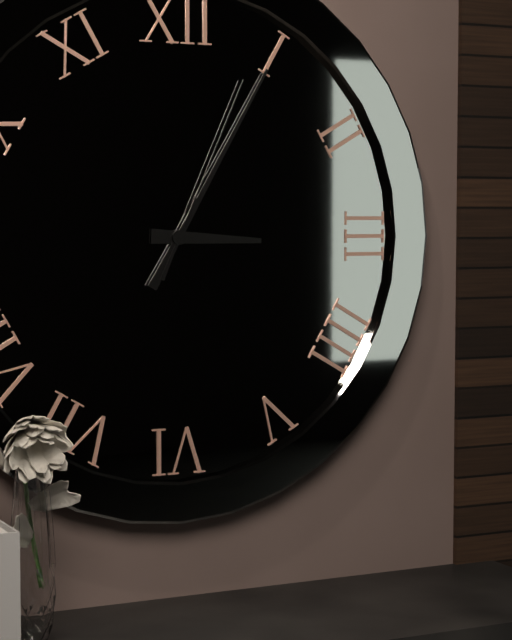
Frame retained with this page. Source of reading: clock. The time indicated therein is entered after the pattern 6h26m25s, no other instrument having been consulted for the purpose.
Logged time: 3h05m04s
